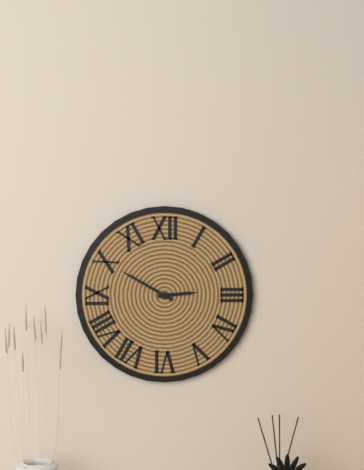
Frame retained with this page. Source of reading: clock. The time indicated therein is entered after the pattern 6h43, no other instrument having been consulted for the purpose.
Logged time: 2h50
